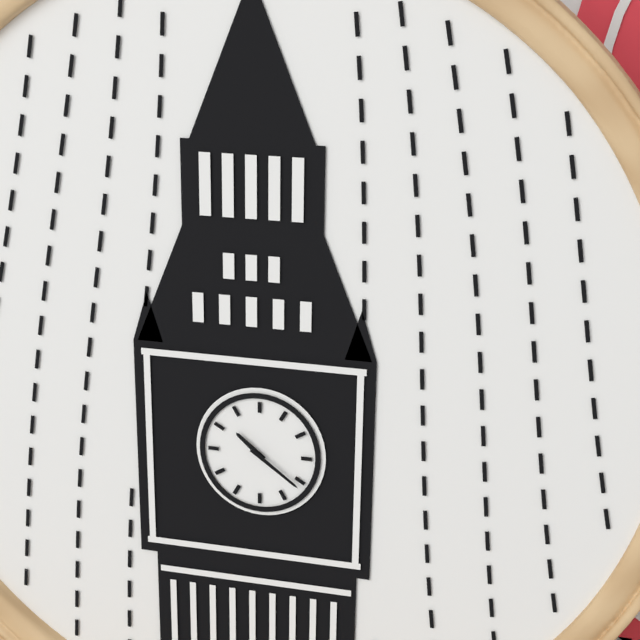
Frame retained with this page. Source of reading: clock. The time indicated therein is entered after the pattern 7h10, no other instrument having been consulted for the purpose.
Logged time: 10h21
